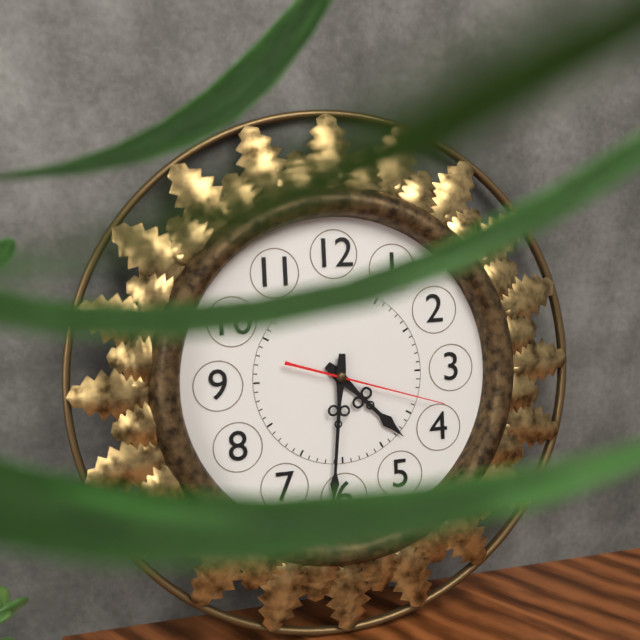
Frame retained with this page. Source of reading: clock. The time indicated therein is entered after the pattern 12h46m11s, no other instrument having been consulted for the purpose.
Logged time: 4h31m18s
